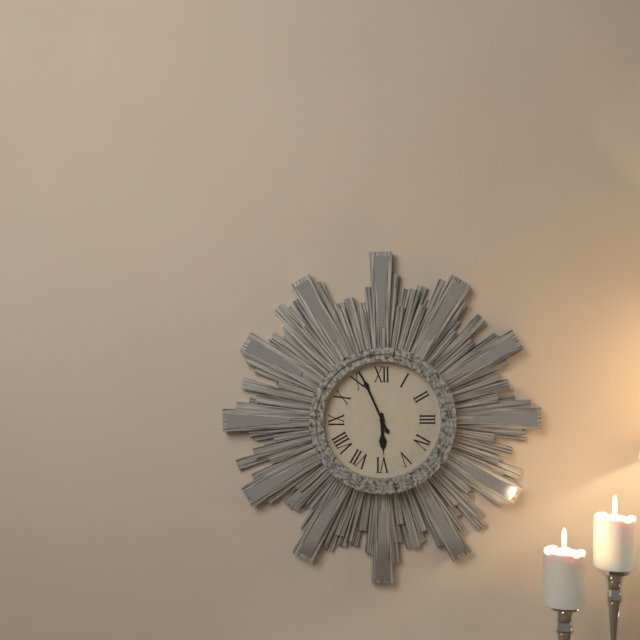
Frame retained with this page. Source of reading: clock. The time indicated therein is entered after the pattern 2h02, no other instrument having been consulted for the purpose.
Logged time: 5h56
